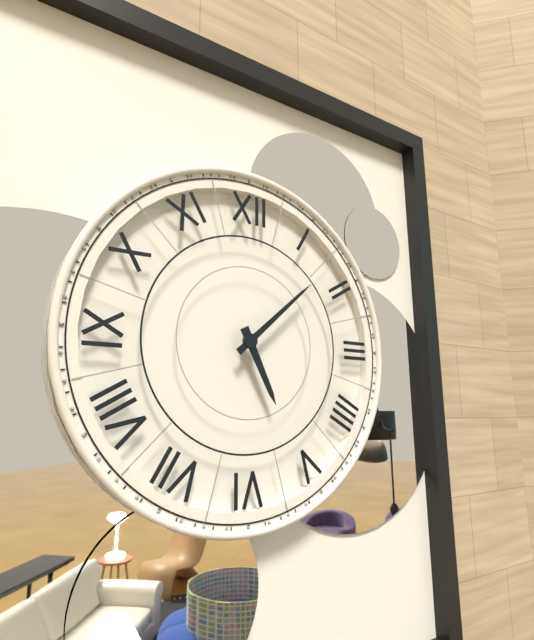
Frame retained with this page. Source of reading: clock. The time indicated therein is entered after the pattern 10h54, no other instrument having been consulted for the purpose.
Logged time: 5h08
